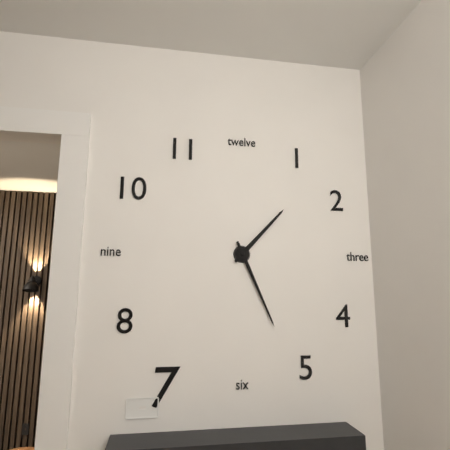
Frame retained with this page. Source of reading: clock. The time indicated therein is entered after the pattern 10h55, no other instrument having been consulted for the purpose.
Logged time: 1h26
